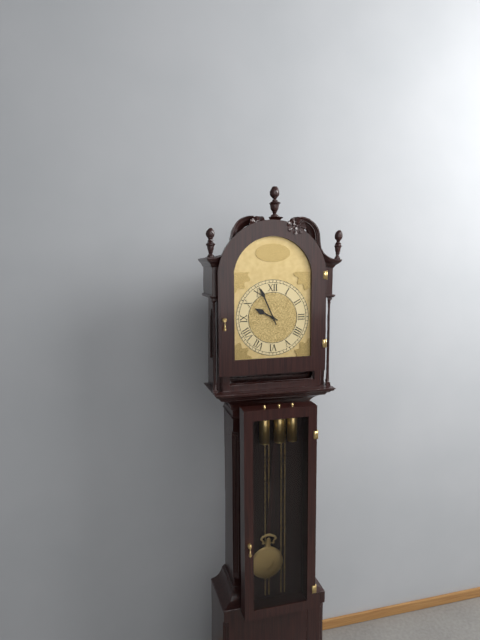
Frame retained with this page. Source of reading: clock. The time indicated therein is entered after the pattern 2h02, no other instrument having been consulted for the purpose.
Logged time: 9h56
